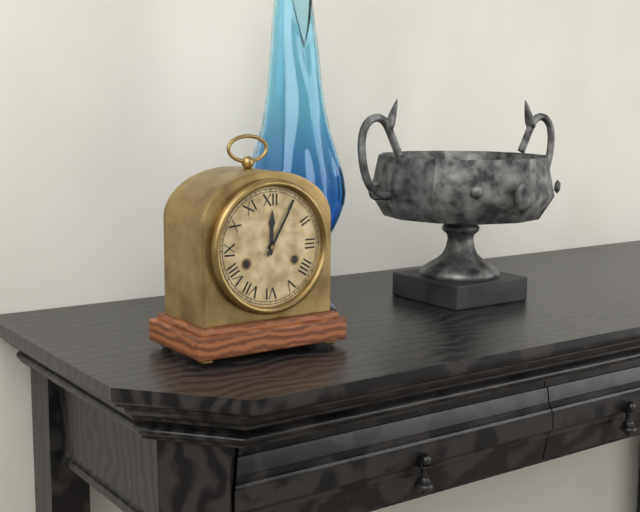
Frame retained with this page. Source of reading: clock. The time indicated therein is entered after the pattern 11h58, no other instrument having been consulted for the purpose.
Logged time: 12h05
